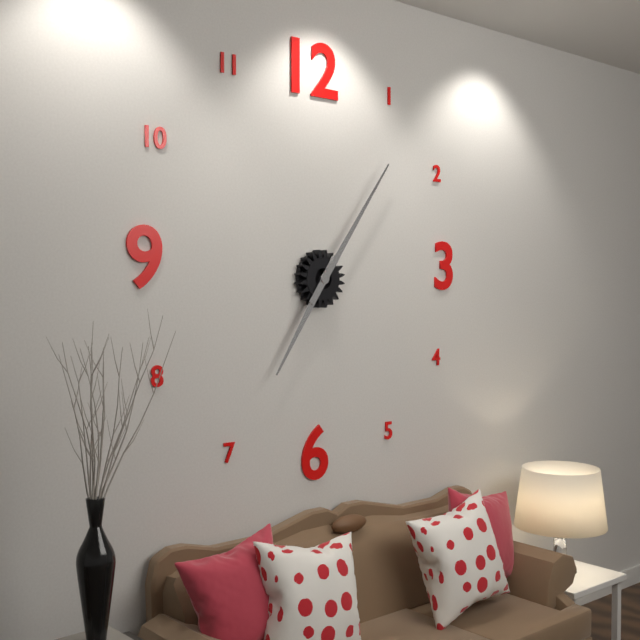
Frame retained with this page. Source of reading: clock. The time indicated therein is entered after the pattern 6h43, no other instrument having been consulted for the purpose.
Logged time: 7h06
